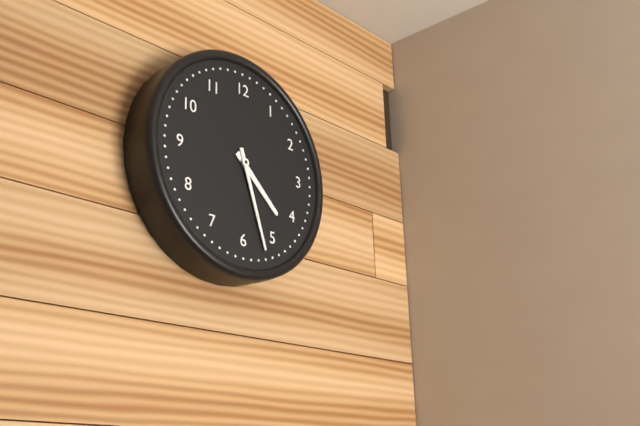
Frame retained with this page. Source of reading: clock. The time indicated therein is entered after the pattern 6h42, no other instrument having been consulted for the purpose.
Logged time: 4h27
